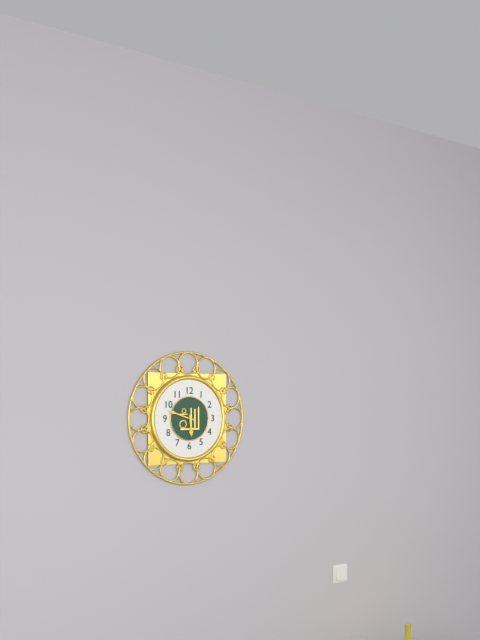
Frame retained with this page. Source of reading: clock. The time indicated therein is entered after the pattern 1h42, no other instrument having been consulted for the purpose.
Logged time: 5h48
